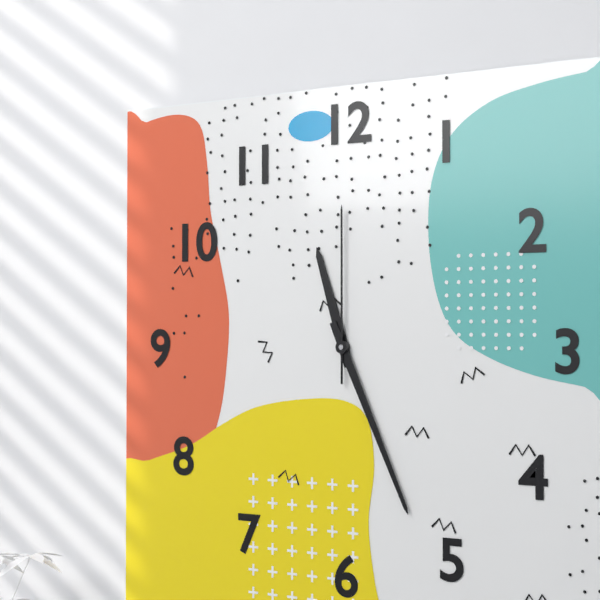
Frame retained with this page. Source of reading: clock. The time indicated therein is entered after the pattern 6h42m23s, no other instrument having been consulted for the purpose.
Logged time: 11h26m00s
